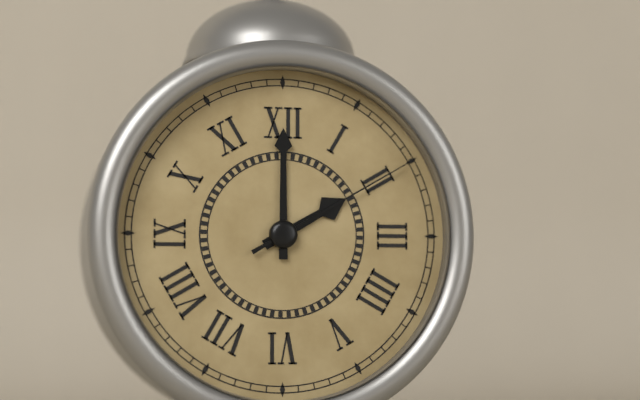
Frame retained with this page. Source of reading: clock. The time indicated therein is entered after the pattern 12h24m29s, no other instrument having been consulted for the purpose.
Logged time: 2h00m10s
